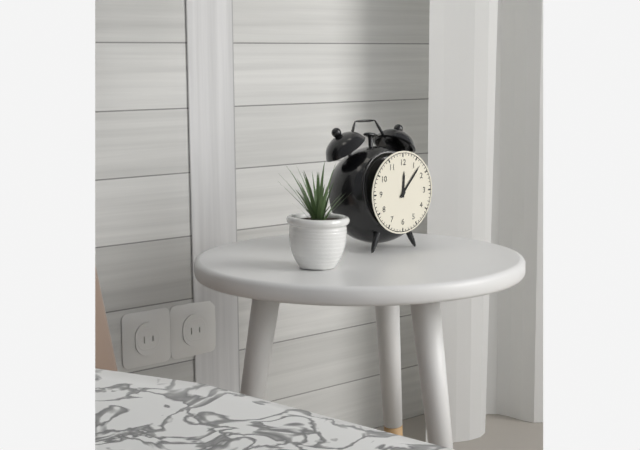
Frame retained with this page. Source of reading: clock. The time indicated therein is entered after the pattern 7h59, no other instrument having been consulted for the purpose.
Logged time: 12h07
